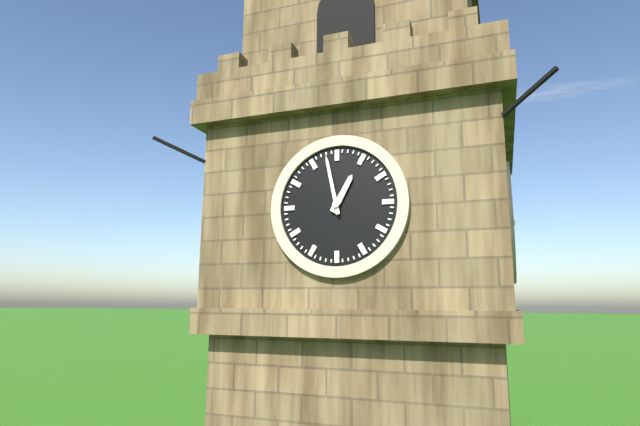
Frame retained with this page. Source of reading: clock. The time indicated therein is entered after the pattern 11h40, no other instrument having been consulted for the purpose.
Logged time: 12h58
